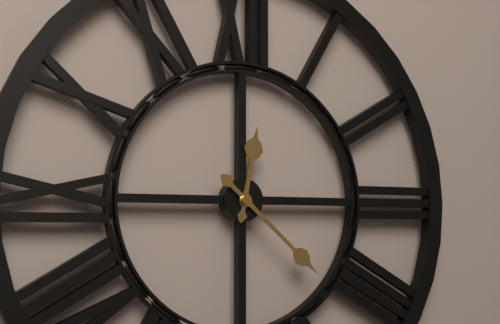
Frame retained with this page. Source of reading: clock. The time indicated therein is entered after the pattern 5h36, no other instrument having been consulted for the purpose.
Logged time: 12h22
